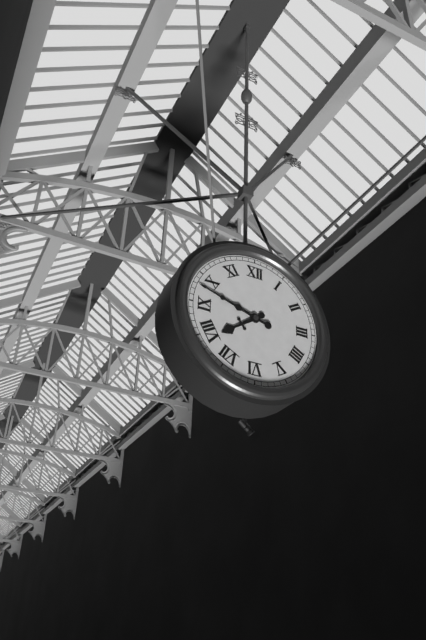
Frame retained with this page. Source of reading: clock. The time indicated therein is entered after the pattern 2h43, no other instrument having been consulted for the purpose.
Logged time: 7h48
